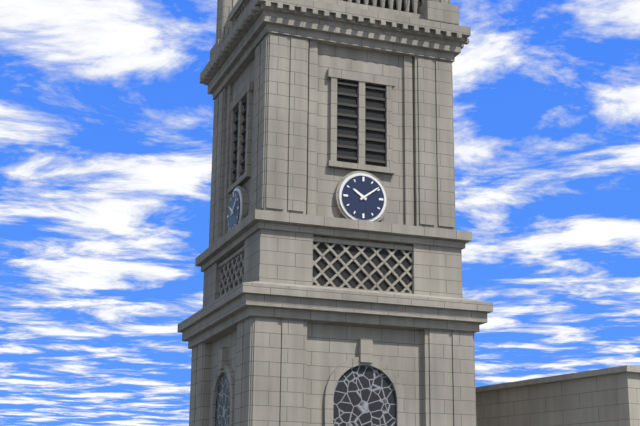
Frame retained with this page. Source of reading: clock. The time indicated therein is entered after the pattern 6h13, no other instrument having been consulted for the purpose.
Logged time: 10h09
